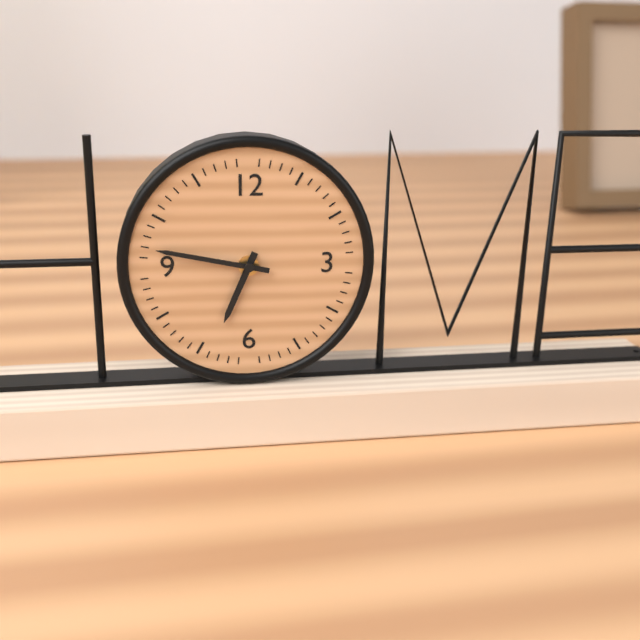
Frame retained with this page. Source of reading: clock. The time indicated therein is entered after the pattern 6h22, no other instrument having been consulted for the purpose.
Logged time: 6h47
